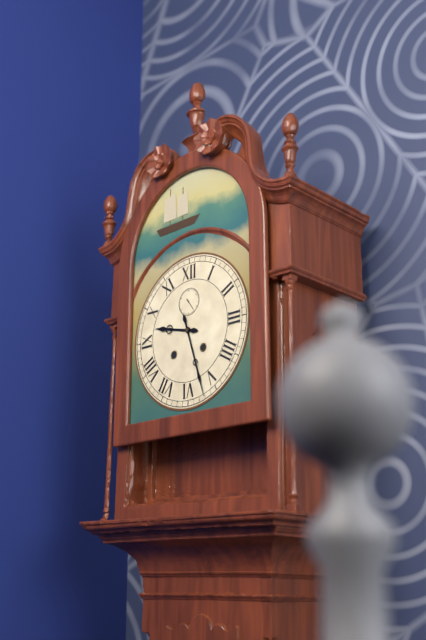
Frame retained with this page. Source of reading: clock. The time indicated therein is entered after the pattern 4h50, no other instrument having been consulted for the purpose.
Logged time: 9h27
